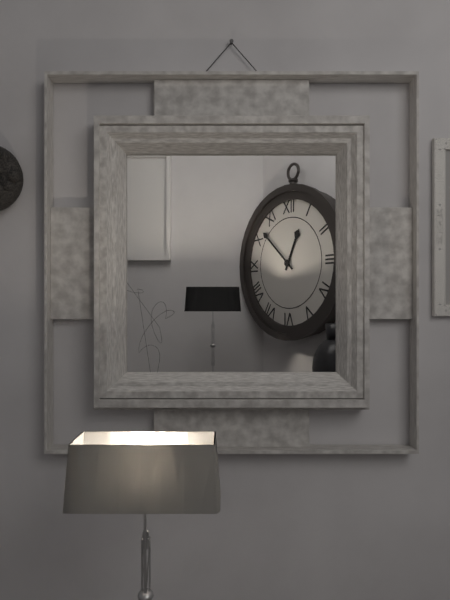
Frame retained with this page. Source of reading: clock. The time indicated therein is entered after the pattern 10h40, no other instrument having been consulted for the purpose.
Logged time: 12h52
